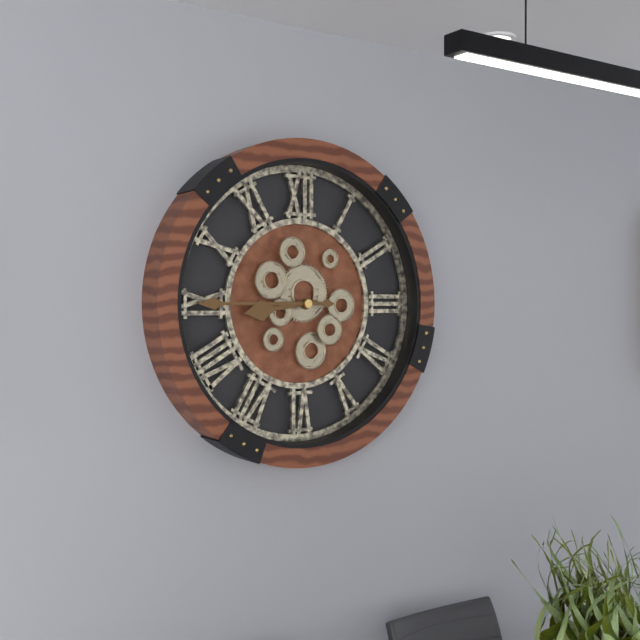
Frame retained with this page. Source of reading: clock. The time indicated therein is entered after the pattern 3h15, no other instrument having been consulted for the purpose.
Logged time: 8h45
